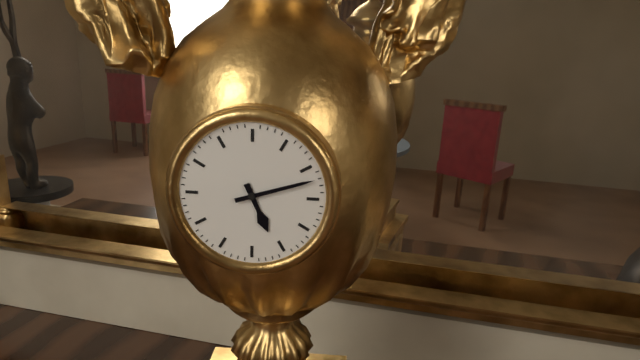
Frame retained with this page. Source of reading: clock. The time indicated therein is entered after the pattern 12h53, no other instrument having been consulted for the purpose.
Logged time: 5h12
